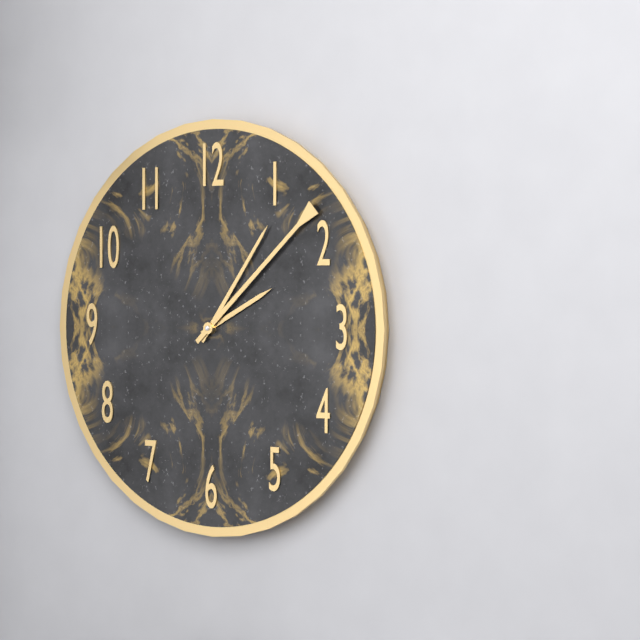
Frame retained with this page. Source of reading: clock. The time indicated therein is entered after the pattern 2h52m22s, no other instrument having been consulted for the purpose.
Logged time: 2h06m08s
